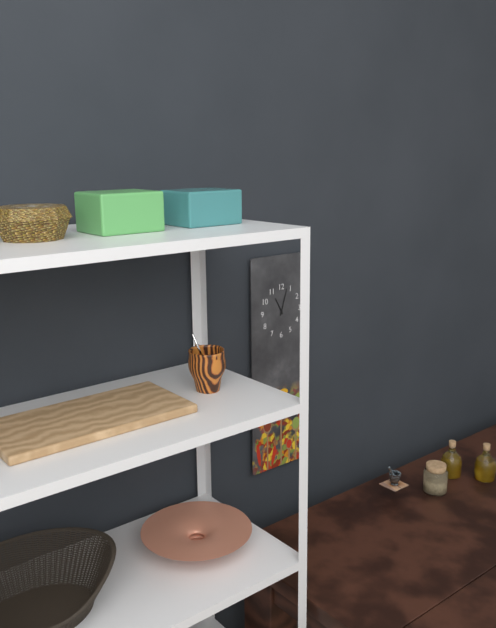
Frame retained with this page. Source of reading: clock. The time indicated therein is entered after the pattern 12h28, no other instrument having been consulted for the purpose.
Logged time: 11h03
